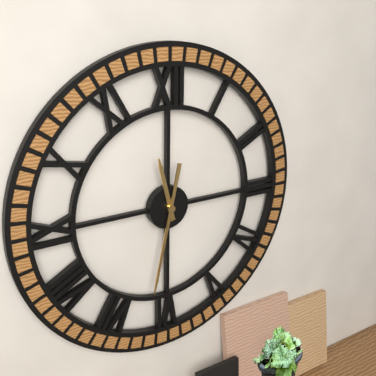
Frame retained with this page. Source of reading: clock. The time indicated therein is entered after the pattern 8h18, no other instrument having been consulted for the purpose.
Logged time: 11h32
